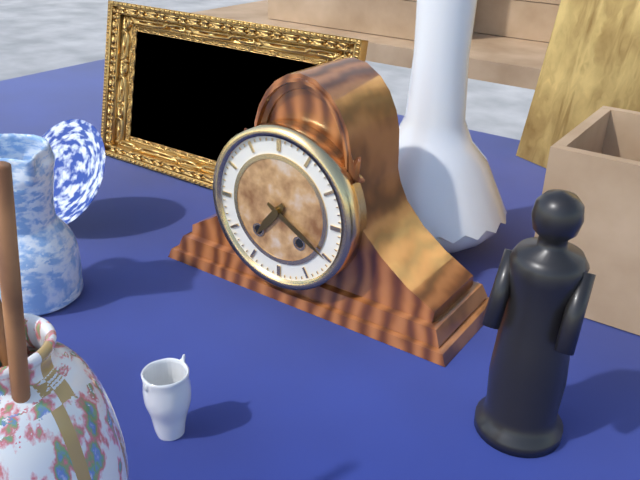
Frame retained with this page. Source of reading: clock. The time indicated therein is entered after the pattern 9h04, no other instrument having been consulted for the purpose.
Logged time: 7h20
